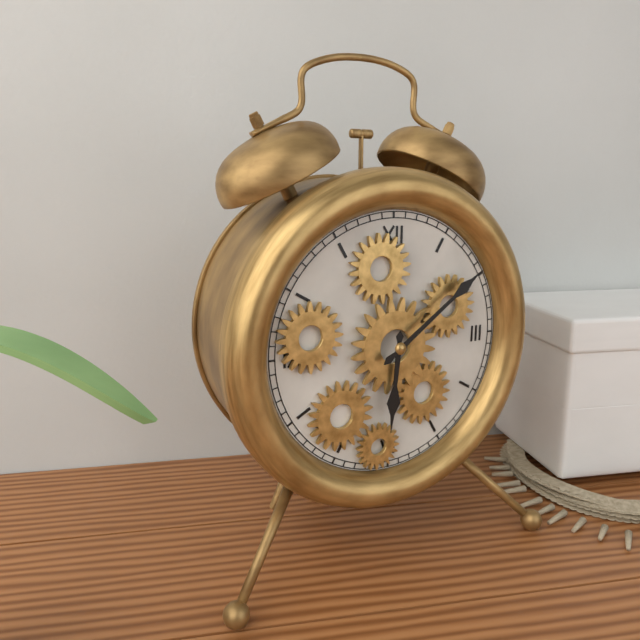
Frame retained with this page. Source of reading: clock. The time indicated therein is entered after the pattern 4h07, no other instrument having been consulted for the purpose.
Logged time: 6h09
